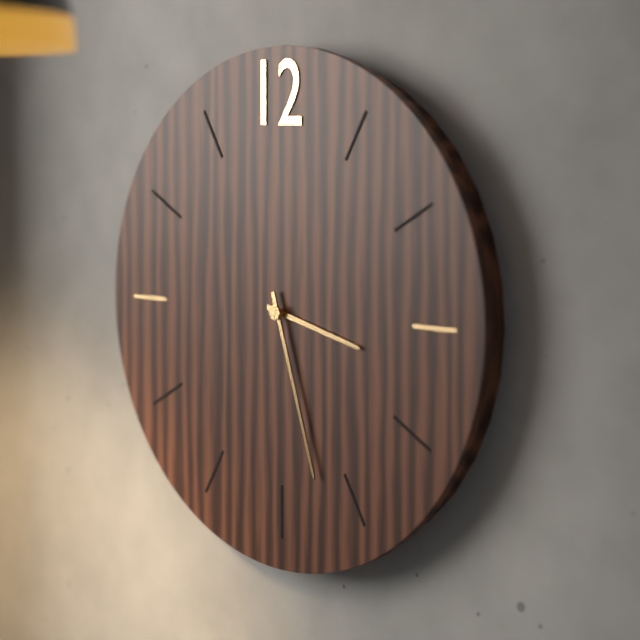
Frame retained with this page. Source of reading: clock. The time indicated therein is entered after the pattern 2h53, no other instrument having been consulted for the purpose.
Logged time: 3h27
